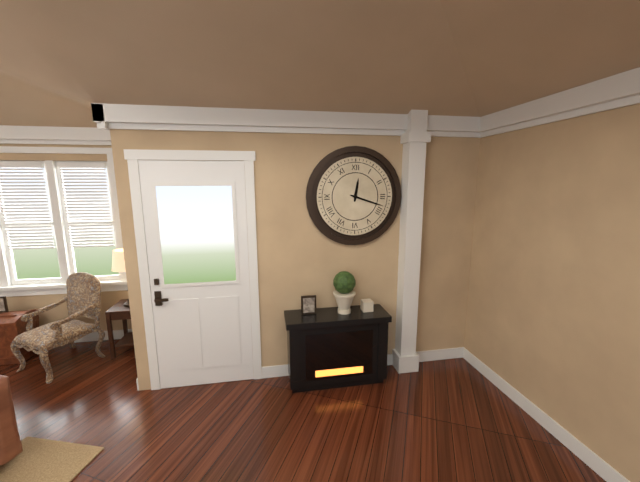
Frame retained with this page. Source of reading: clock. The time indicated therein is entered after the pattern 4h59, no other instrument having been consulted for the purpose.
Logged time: 12h18
